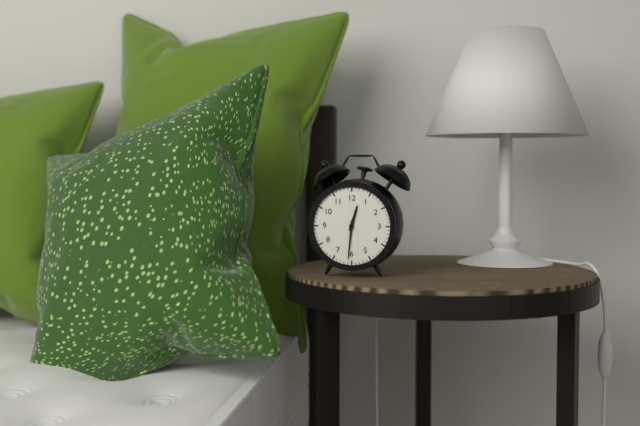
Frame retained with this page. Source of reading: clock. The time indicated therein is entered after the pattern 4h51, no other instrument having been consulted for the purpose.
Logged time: 12h31
